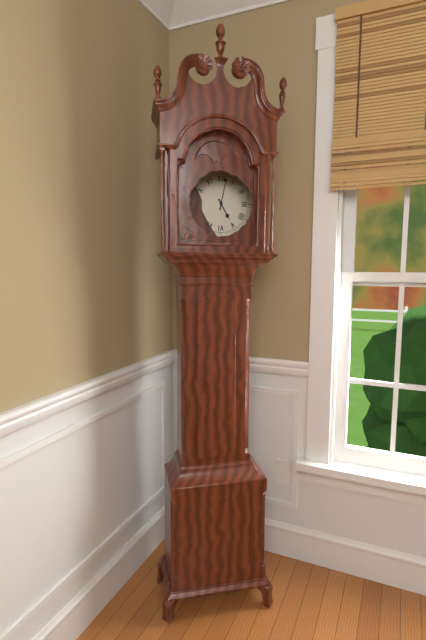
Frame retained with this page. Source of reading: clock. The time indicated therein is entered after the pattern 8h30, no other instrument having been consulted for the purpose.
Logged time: 5h02
